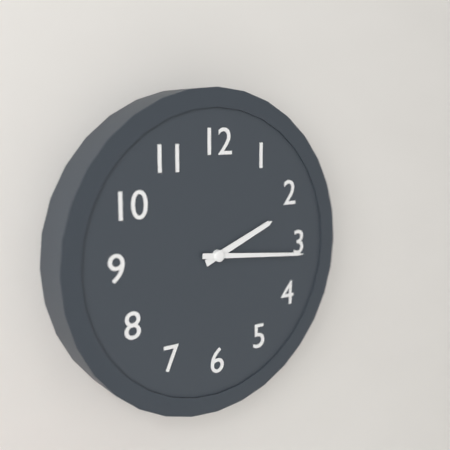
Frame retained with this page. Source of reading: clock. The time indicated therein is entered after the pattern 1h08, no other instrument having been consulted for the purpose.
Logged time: 2h16
